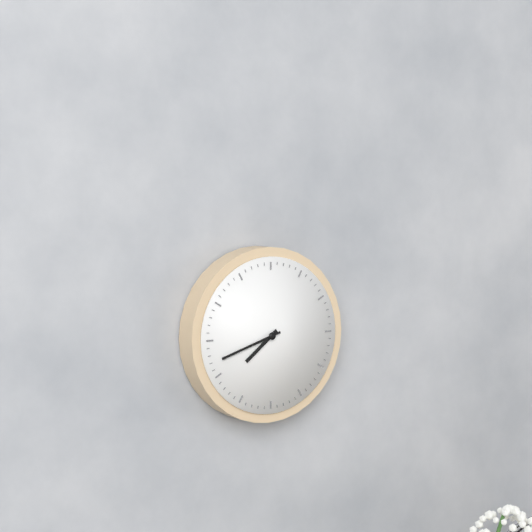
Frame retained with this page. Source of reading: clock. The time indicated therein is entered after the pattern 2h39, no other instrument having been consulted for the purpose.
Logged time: 7h42
